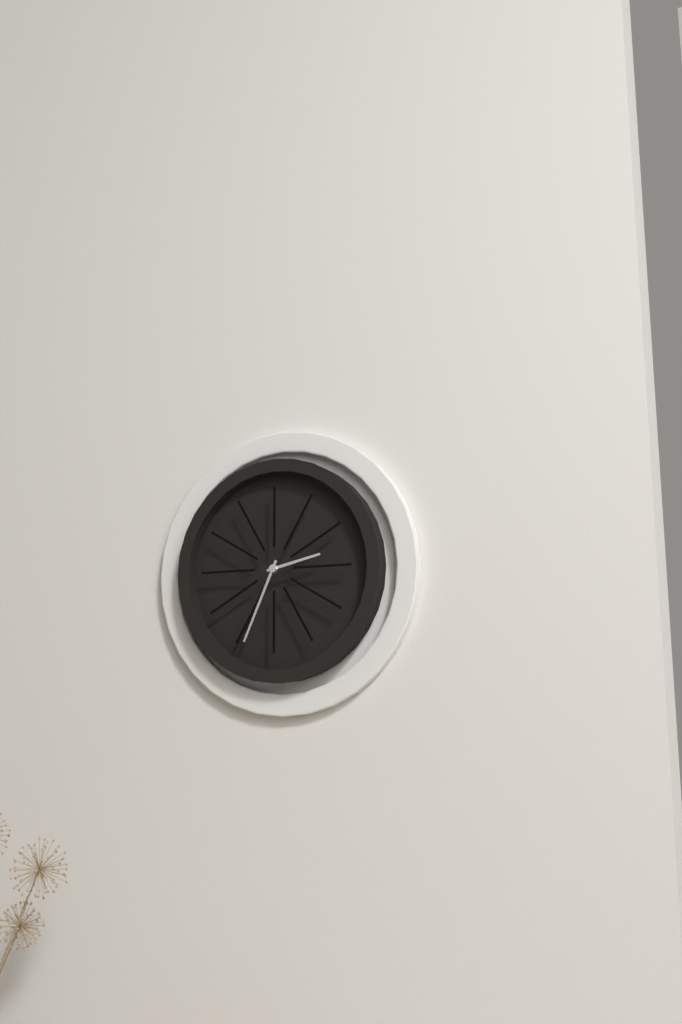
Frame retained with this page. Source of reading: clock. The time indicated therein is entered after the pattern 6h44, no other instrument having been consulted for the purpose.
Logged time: 2h34
